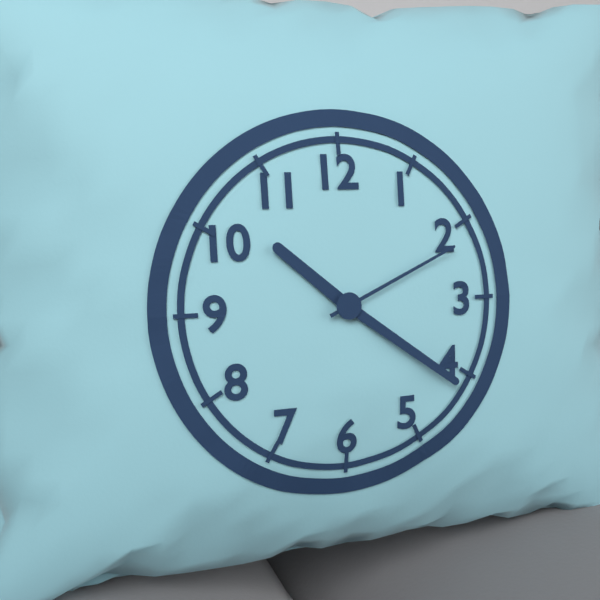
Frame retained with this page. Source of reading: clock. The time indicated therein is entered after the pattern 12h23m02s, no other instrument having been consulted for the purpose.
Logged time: 10h21m11s
